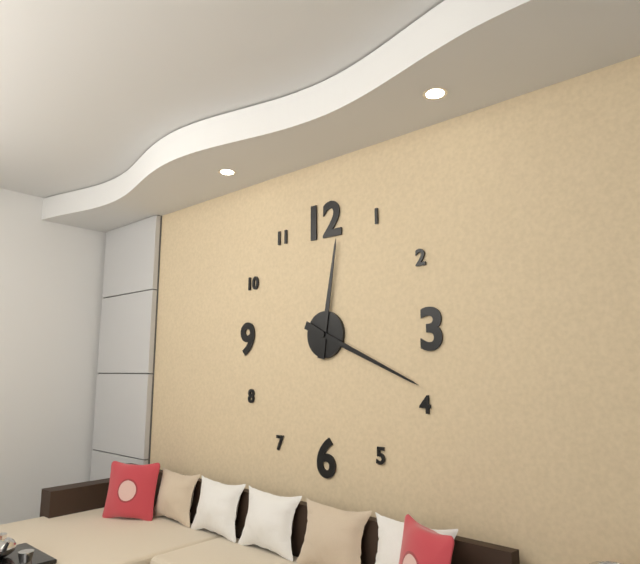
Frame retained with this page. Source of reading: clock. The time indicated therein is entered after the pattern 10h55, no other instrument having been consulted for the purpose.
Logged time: 12h19
